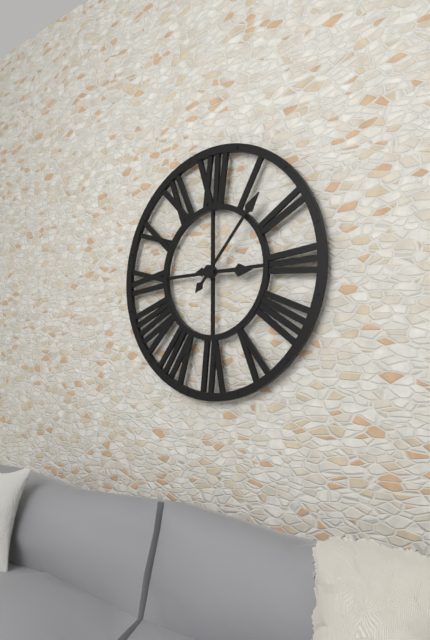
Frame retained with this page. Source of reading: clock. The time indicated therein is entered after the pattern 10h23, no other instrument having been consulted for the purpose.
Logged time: 3h07
